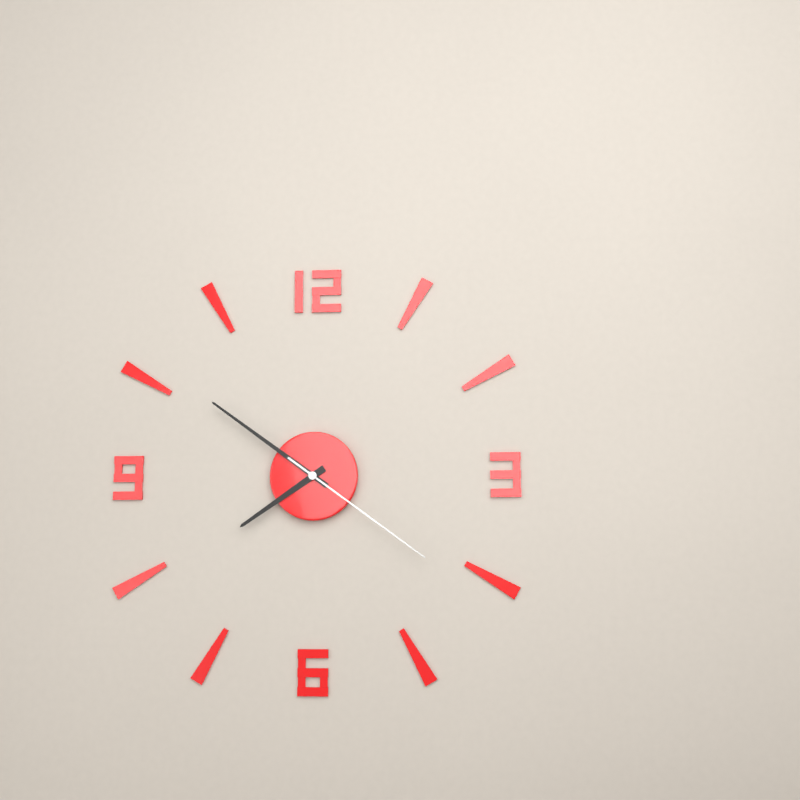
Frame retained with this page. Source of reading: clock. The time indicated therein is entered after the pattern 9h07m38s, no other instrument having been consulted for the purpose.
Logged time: 7h51m21s
